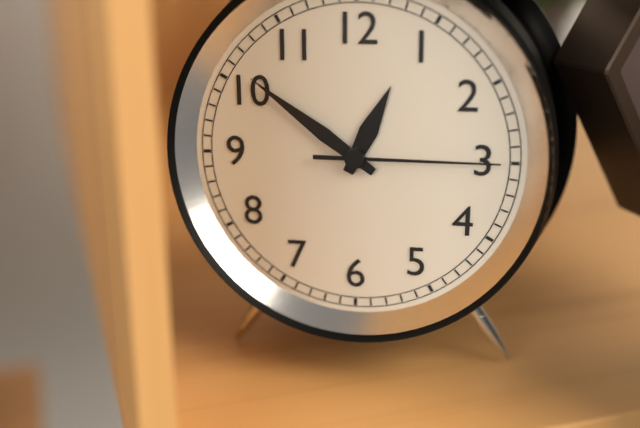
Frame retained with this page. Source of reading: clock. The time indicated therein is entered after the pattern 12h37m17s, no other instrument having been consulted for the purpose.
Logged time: 12h51m15s
